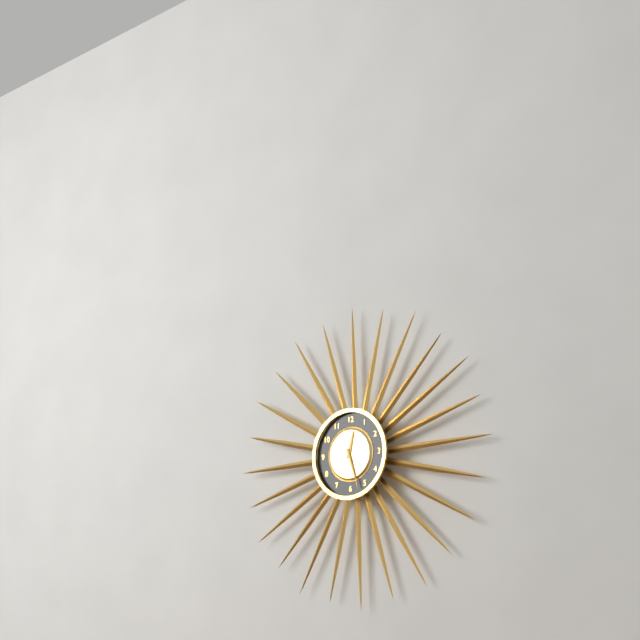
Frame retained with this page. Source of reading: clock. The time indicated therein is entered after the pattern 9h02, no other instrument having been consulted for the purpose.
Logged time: 12h27
